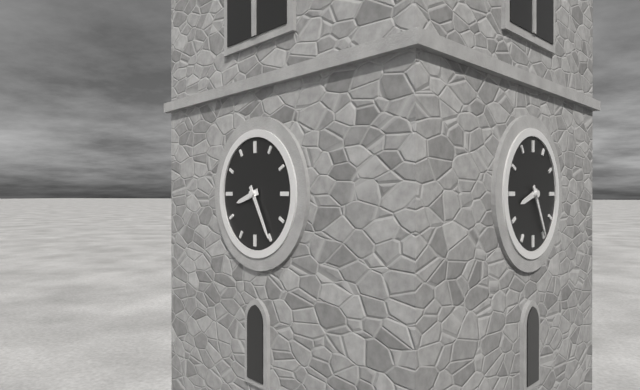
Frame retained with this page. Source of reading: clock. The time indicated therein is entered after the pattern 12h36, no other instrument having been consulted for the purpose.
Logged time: 8h25
